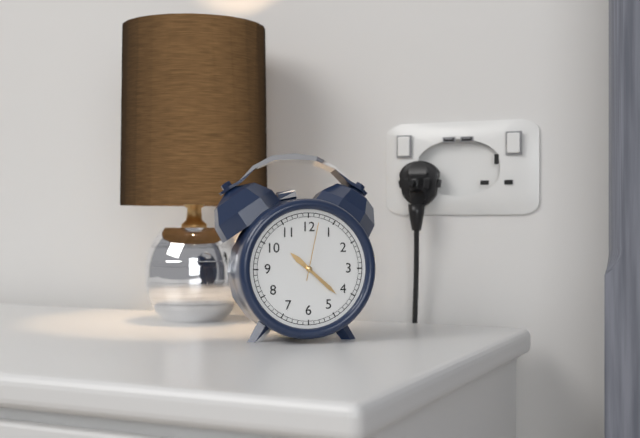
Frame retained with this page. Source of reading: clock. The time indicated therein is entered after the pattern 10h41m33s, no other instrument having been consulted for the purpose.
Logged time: 10h22m02s
